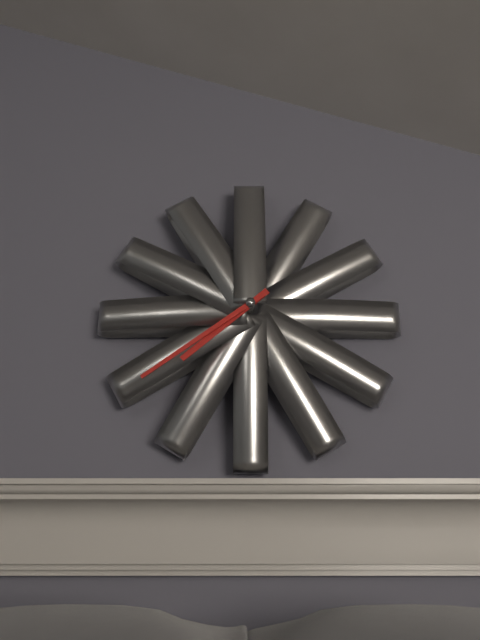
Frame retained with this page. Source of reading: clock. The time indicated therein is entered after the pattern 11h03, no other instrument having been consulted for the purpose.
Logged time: 7h39
